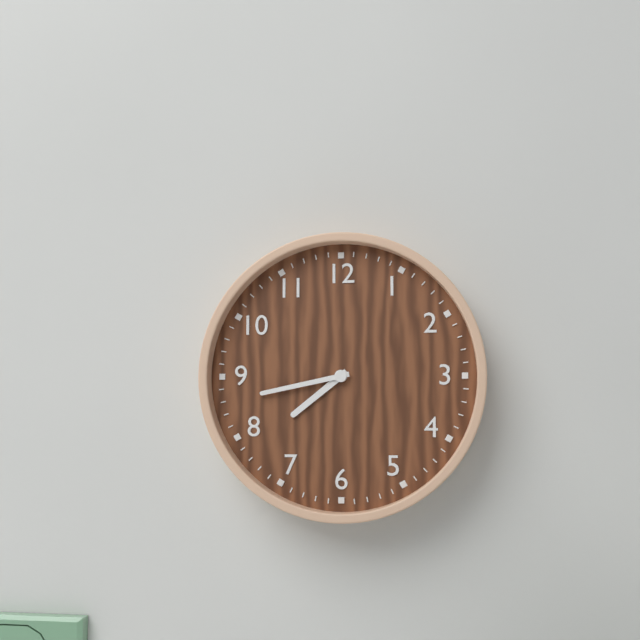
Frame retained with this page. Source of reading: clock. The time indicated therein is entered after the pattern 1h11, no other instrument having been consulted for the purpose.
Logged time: 7h43
